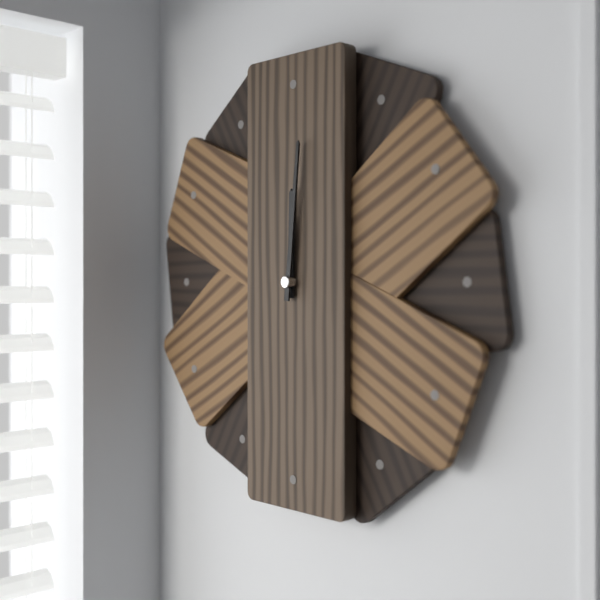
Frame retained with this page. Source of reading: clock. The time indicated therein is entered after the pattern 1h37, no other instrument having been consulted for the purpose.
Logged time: 12h01
